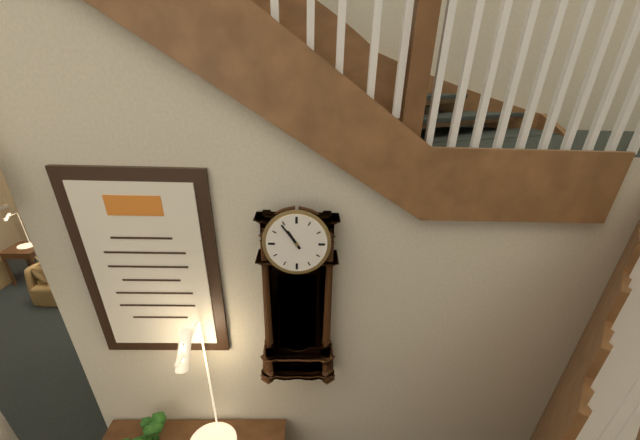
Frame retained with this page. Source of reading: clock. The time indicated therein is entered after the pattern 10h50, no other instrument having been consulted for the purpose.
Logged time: 10h54
